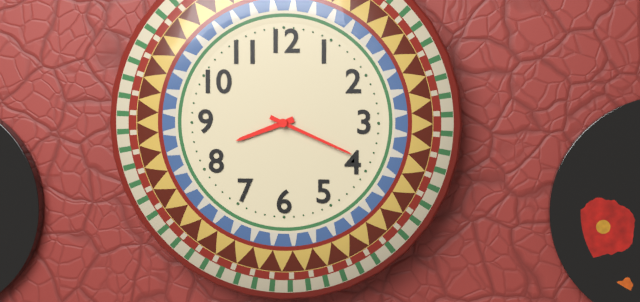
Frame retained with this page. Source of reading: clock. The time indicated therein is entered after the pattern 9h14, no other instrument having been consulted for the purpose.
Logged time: 8h19
